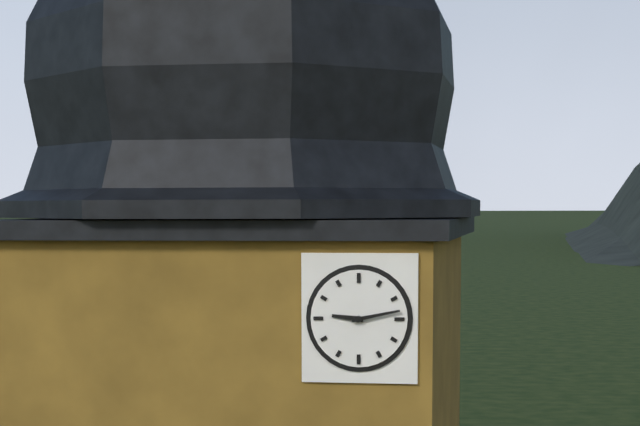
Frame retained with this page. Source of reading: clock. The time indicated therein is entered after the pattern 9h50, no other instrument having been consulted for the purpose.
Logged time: 9h13
